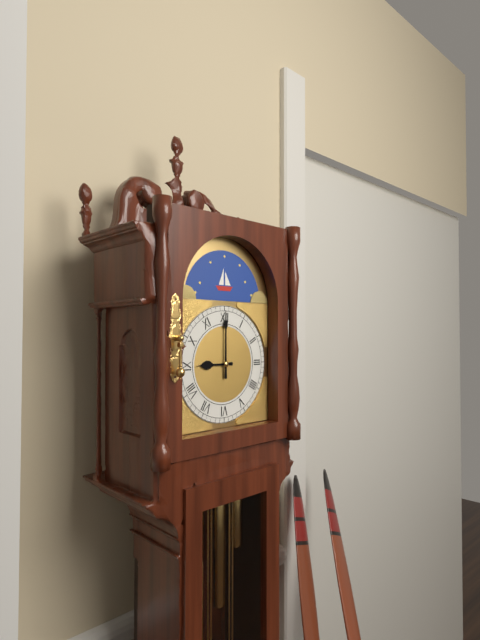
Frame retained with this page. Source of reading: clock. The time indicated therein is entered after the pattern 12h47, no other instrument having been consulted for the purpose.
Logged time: 9h00
